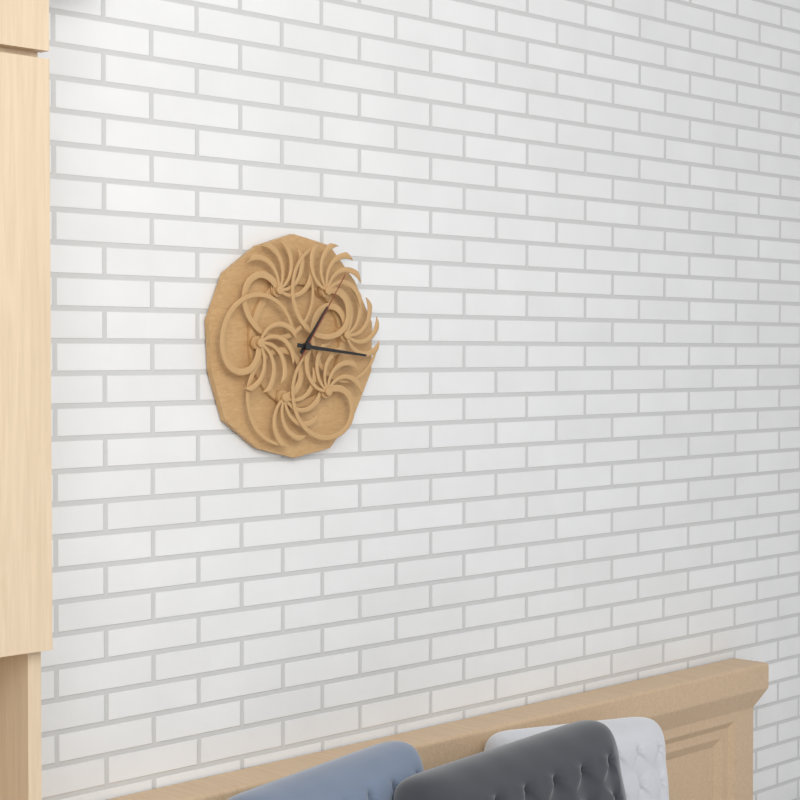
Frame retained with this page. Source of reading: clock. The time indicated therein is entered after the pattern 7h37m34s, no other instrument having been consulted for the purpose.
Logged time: 1h16m06s
